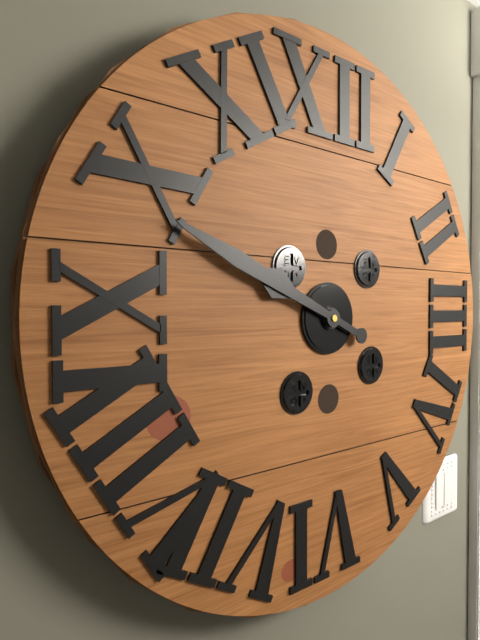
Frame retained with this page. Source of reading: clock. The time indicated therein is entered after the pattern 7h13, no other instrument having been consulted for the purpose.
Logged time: 9h49
